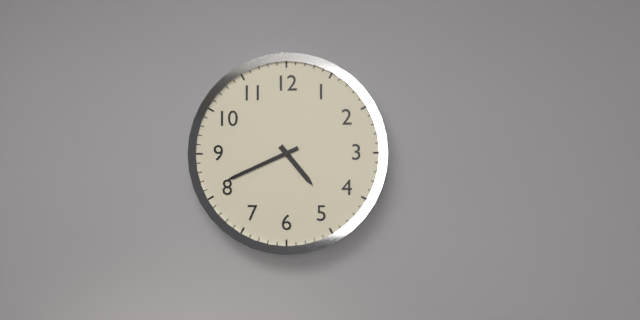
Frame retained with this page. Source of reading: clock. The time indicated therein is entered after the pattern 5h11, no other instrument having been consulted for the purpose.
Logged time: 4h41
